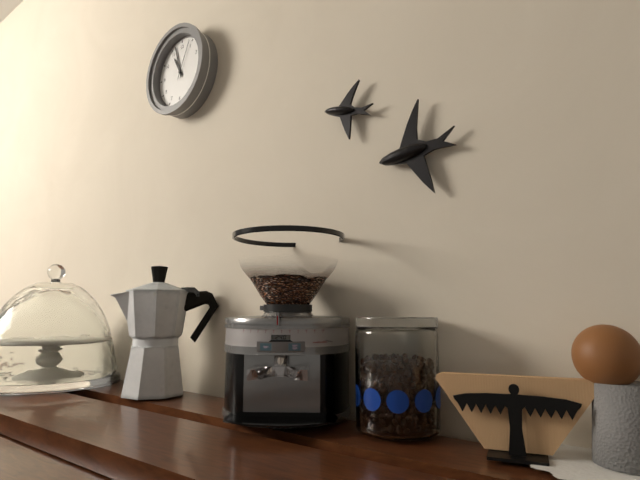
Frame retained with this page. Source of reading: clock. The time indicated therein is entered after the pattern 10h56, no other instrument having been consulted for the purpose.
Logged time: 10h57
